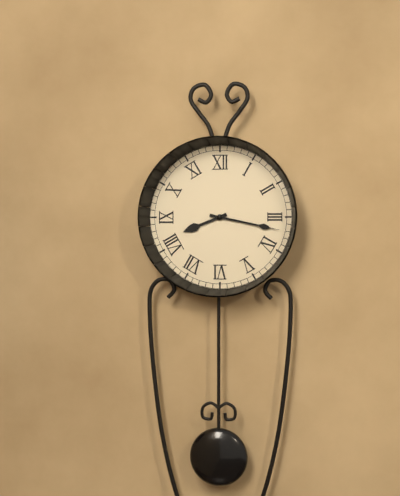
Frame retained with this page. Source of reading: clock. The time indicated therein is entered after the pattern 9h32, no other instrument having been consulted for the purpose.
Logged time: 8h17
